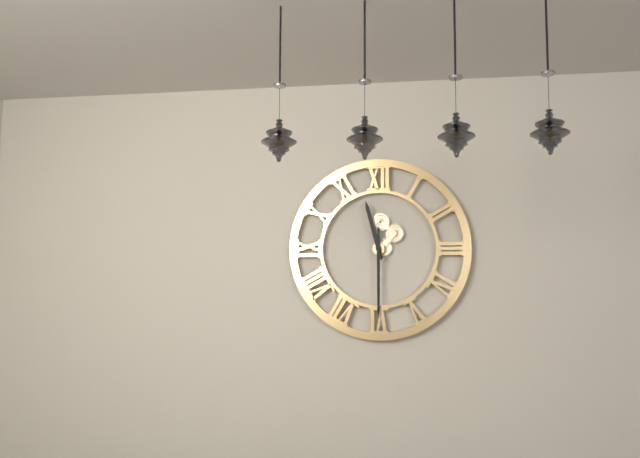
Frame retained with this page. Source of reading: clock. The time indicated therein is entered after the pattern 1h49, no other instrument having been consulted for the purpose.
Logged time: 11h30
